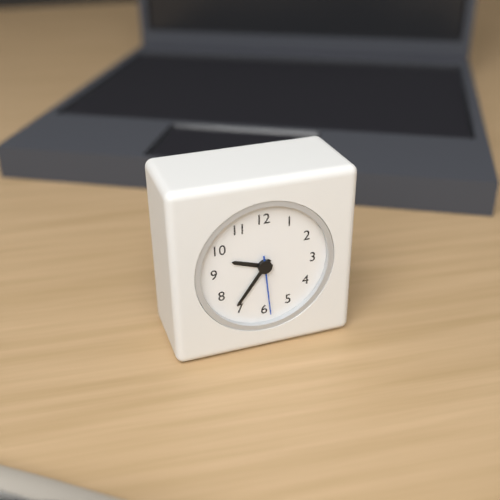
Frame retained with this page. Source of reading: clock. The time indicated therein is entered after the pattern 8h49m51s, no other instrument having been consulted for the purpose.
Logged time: 9h36m29s
